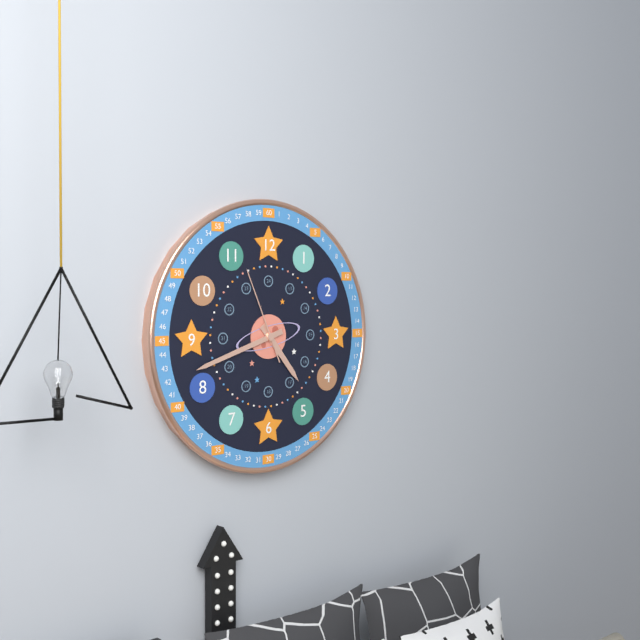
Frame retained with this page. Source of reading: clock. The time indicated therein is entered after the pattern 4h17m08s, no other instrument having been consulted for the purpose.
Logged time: 4h42m56s
